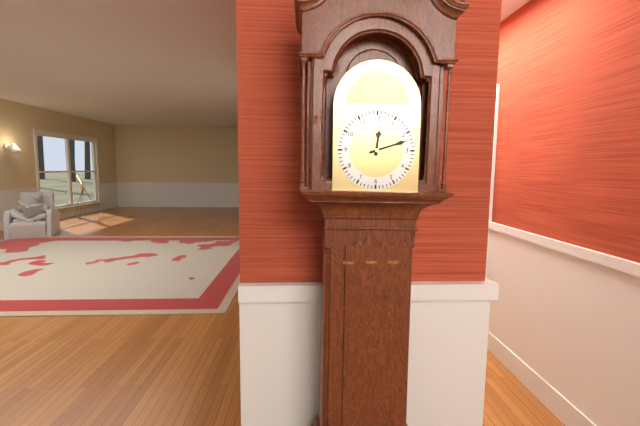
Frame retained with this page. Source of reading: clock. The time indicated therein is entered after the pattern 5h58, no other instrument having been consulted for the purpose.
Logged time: 12h12
